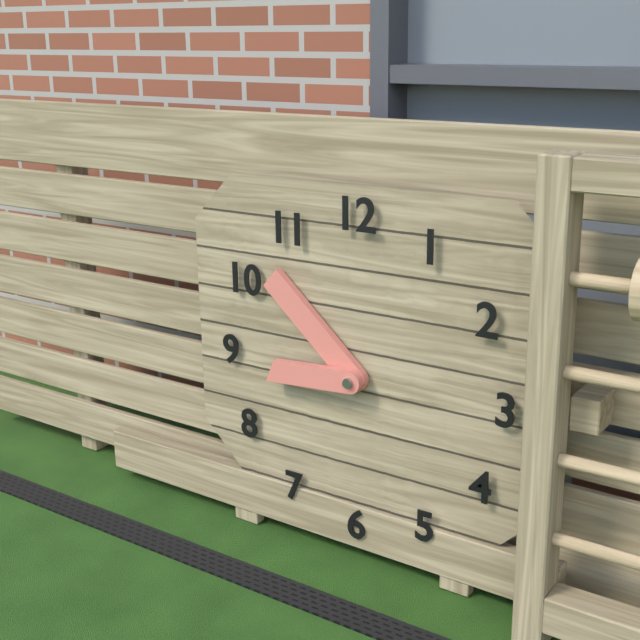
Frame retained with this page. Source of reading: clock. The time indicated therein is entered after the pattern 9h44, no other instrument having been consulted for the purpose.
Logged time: 8h52
